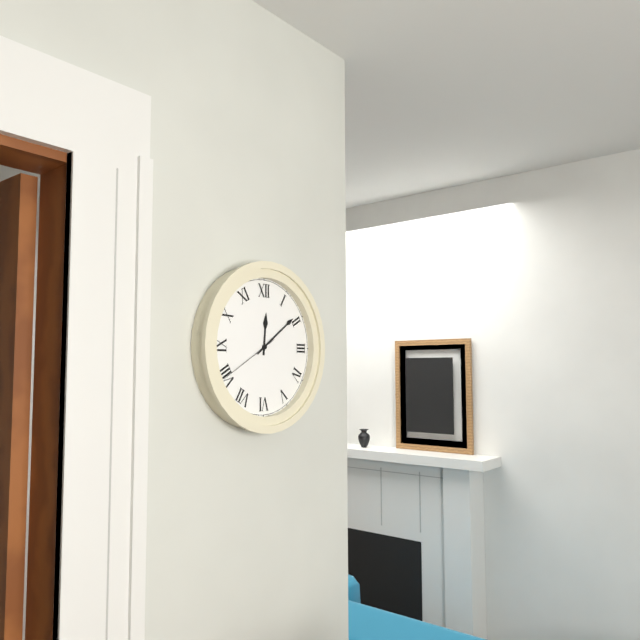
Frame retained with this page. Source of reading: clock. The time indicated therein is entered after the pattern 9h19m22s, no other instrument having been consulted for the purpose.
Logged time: 12h09m40s
